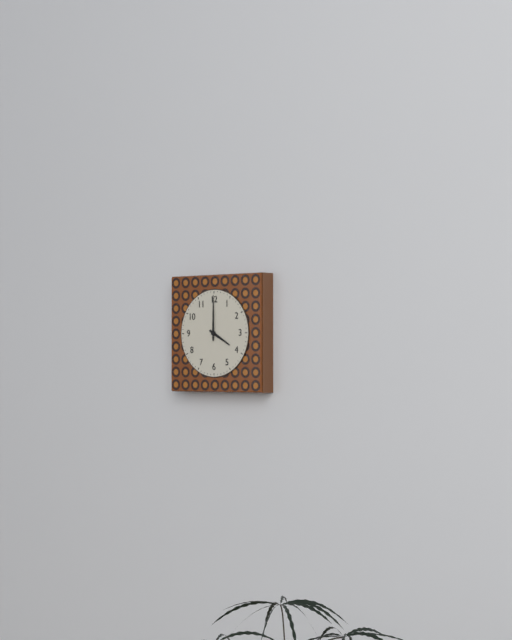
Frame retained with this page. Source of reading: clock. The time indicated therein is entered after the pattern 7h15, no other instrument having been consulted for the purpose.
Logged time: 4h00
